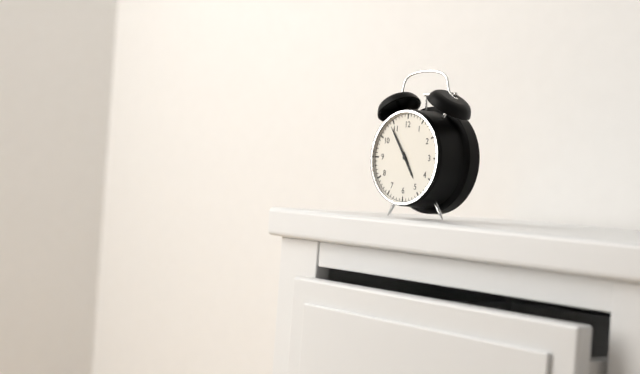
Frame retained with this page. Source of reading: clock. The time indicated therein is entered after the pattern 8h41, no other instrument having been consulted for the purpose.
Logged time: 4h54
